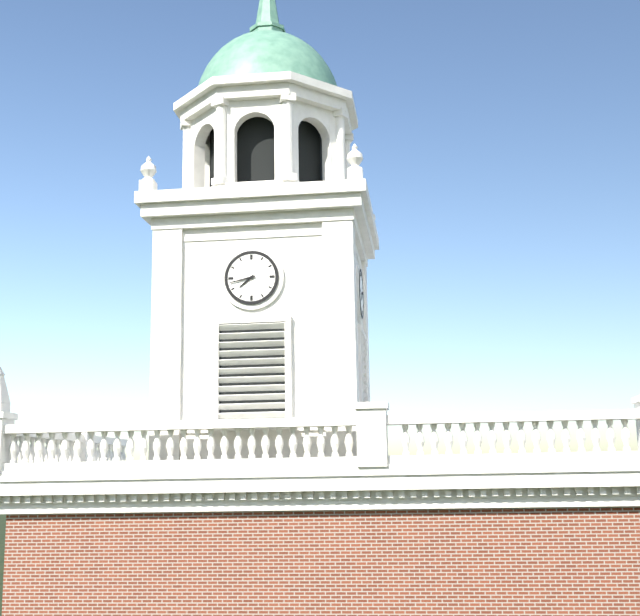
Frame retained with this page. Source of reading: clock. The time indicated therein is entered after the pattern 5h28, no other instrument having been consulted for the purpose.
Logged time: 7h43
